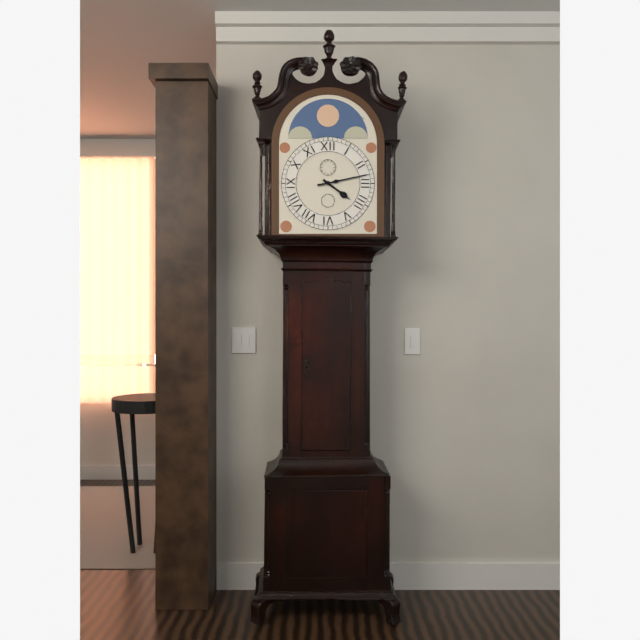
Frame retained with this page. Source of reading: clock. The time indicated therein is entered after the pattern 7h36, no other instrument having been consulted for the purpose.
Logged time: 4h13
